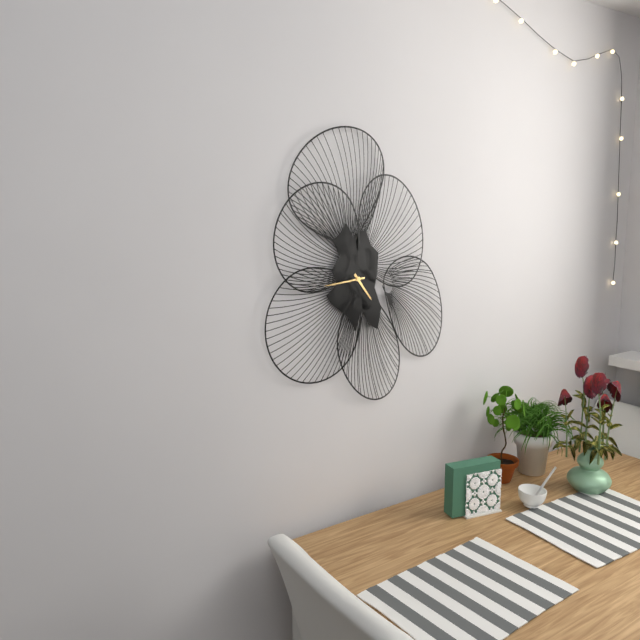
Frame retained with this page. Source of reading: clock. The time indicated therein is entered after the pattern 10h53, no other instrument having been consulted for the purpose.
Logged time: 4h44
